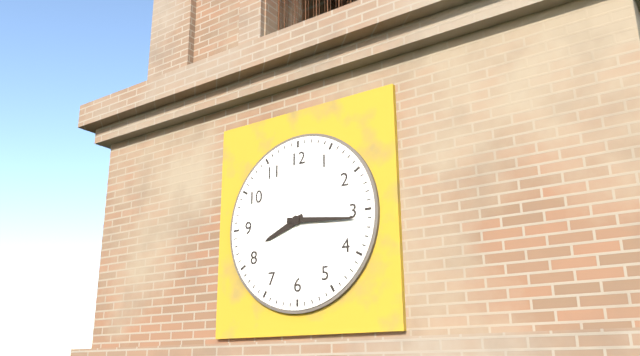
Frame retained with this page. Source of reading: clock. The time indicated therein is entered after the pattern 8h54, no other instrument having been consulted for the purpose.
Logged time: 8h16
